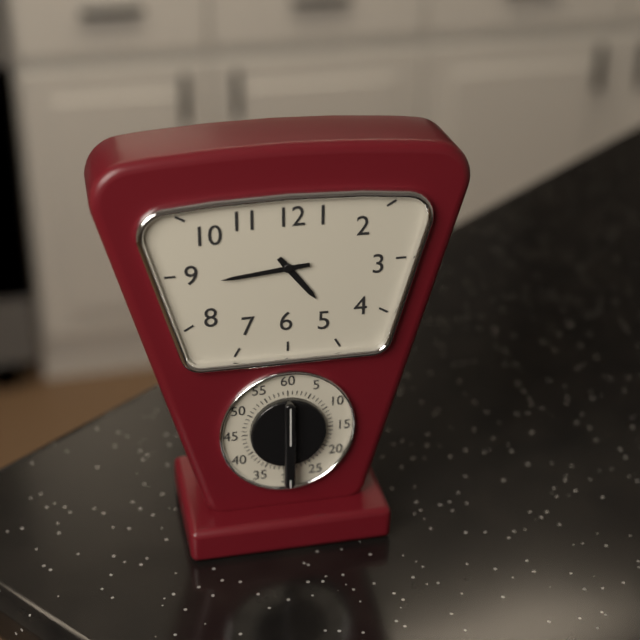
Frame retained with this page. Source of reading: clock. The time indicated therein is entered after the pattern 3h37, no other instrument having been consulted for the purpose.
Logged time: 4h44
